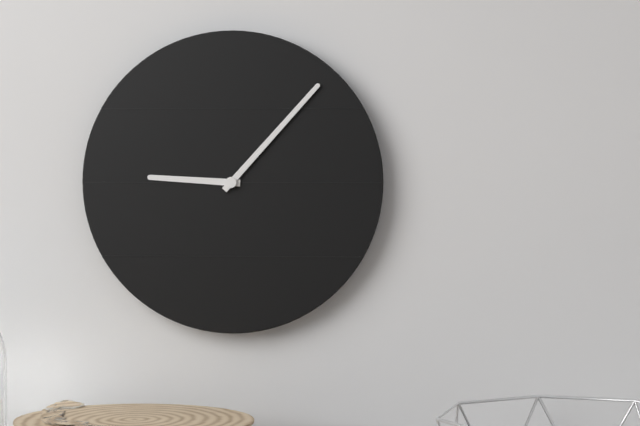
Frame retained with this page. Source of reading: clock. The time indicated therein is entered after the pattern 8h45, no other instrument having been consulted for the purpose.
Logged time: 9h07
